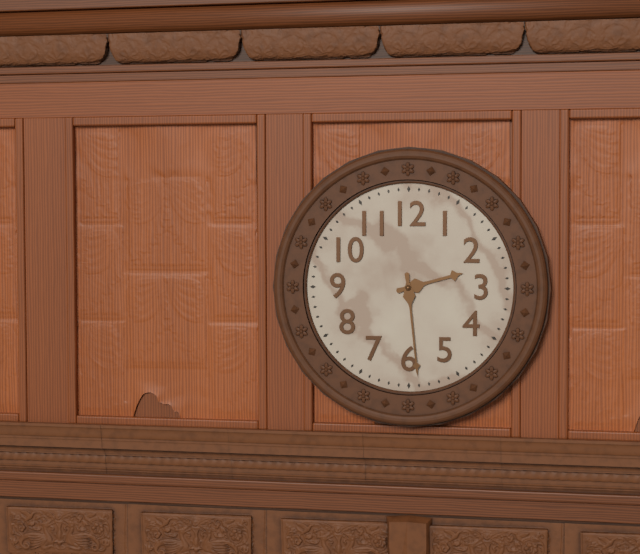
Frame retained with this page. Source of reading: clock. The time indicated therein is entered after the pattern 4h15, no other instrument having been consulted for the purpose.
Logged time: 2h29
